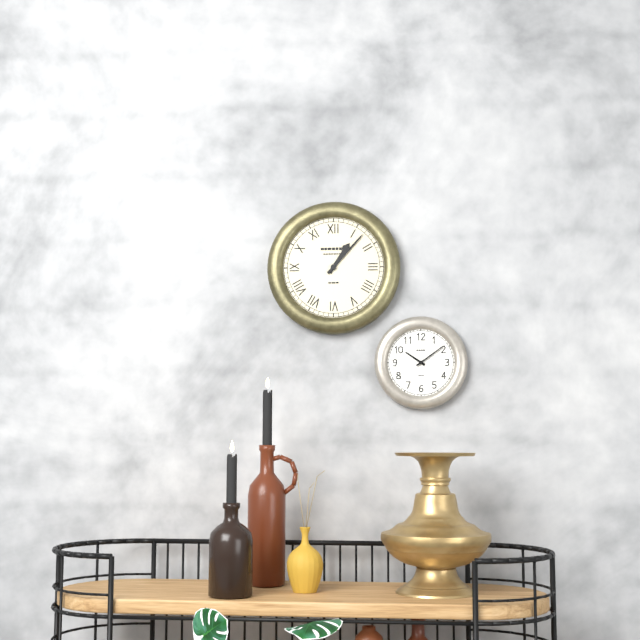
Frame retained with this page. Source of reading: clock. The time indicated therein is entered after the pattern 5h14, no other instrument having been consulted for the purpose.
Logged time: 1h07
